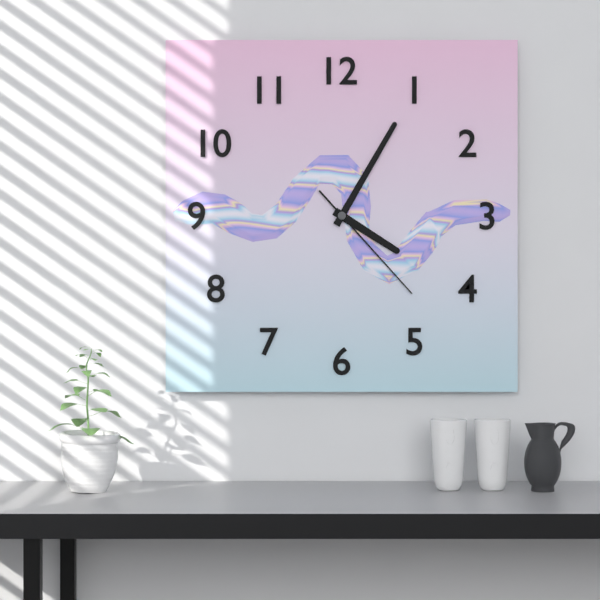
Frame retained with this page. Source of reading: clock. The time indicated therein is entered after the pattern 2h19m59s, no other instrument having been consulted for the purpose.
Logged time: 4h05m23s
